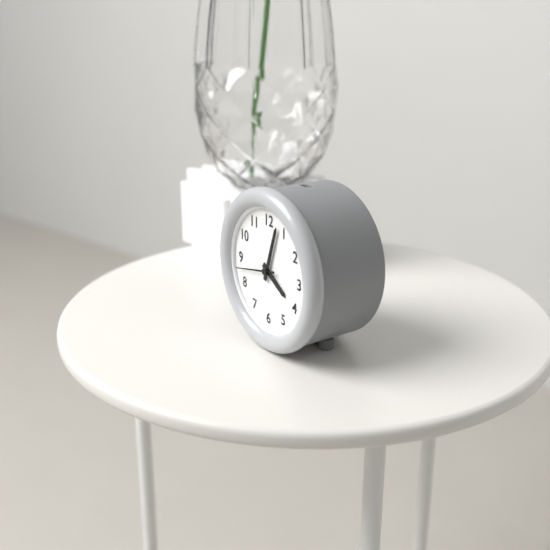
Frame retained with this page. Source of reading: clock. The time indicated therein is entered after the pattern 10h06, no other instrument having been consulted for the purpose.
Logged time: 4h03
